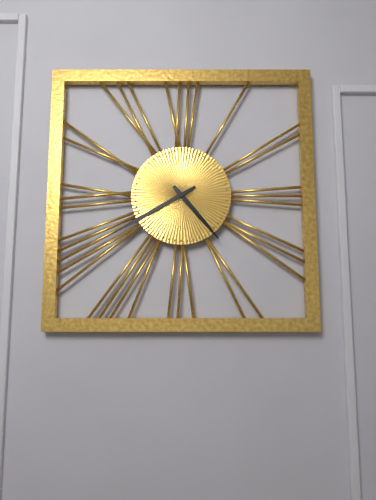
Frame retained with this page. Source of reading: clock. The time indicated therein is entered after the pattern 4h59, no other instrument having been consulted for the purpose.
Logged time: 4h40
